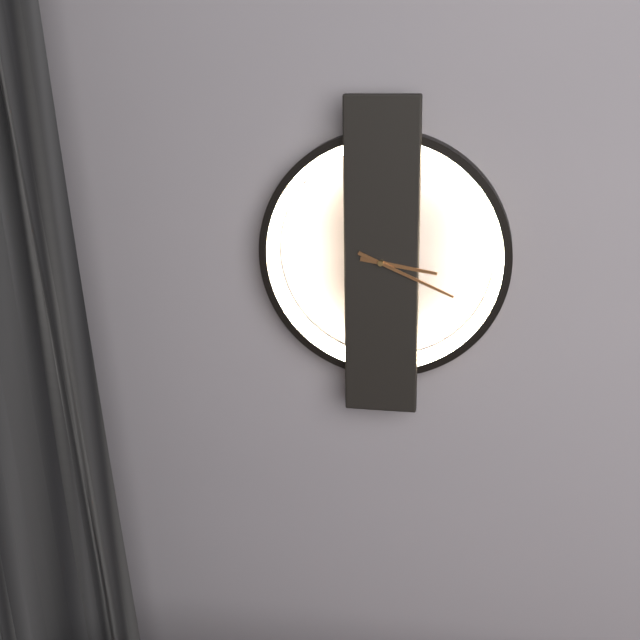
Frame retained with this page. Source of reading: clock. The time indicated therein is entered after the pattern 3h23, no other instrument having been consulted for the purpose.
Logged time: 3h19
